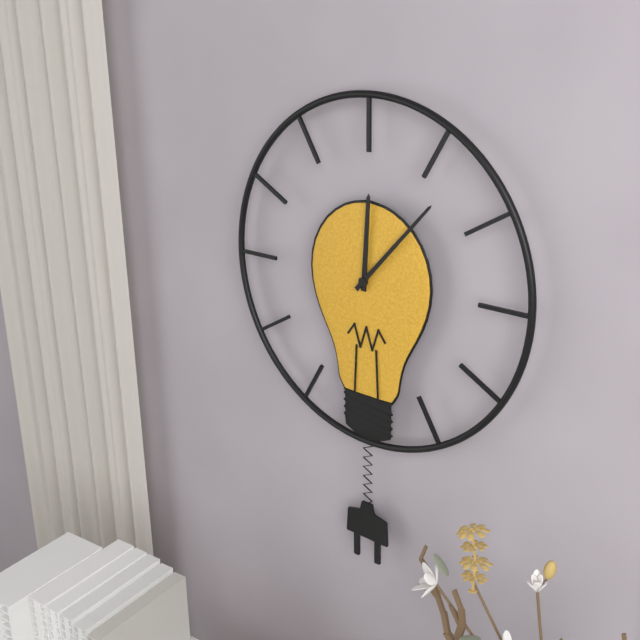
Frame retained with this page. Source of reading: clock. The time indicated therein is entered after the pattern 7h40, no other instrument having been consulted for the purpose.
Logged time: 12h07
